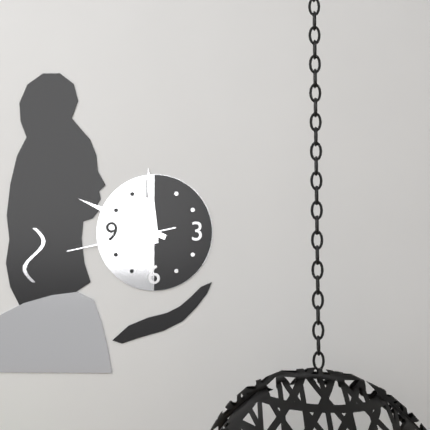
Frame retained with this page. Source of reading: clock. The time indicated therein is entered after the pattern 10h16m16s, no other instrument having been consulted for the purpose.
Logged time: 11h49m43s
